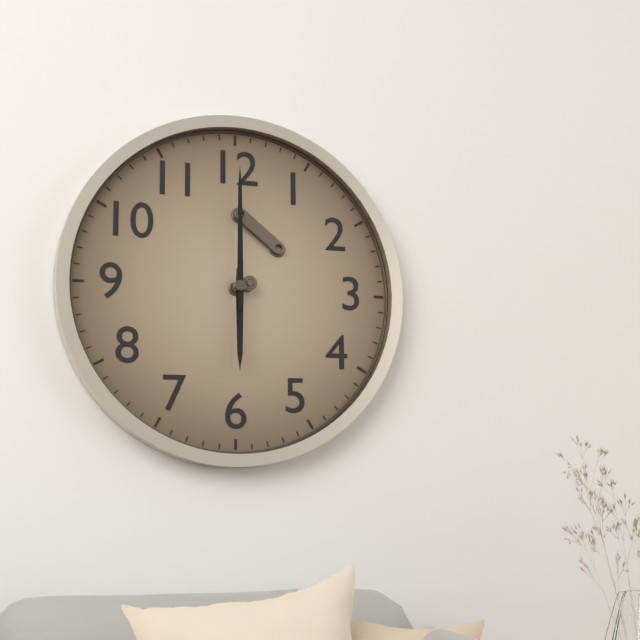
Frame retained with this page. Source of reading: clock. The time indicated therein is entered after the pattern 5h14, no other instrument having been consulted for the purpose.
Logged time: 6h00
